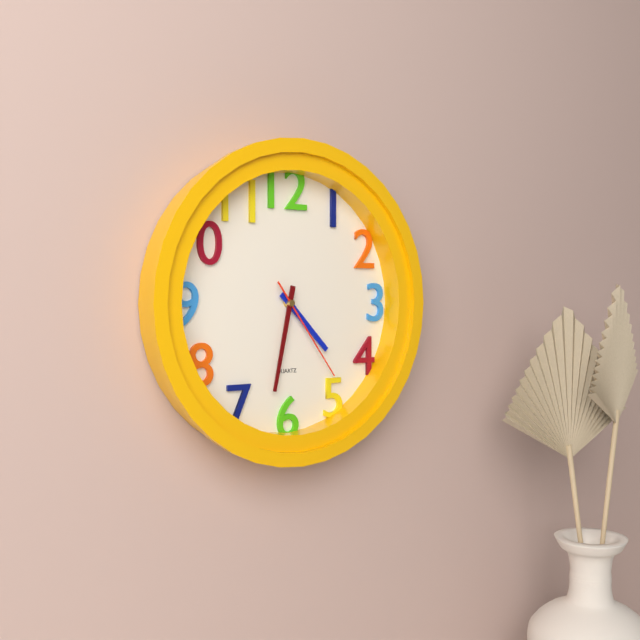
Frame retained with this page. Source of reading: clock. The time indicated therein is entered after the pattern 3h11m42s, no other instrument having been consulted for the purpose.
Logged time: 4h32m24s
